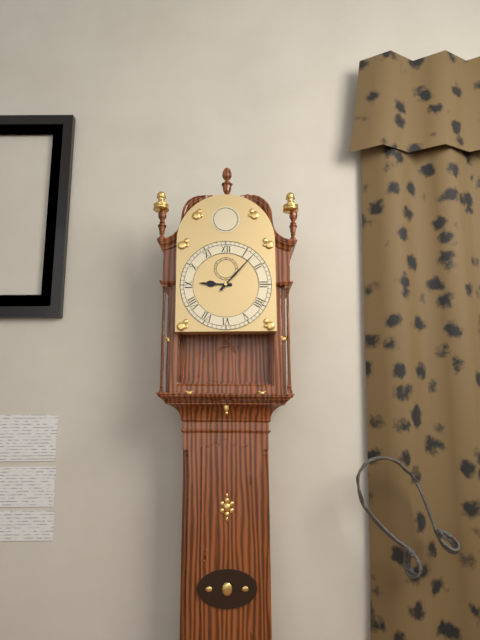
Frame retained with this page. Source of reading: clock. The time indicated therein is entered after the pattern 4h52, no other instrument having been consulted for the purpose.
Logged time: 9h07
